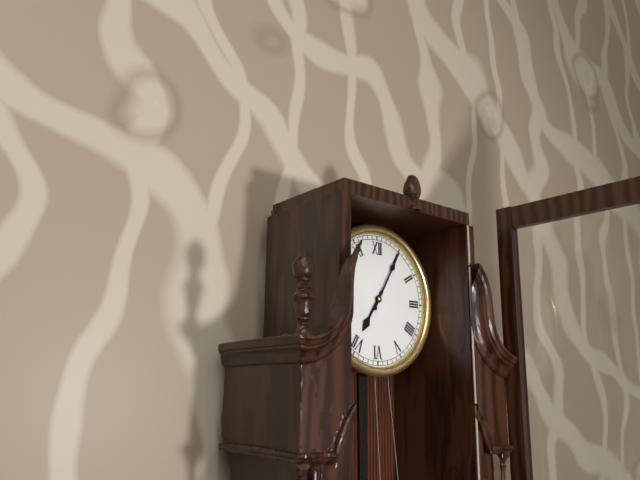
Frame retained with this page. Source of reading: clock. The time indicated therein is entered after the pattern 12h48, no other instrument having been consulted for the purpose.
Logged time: 7h05
